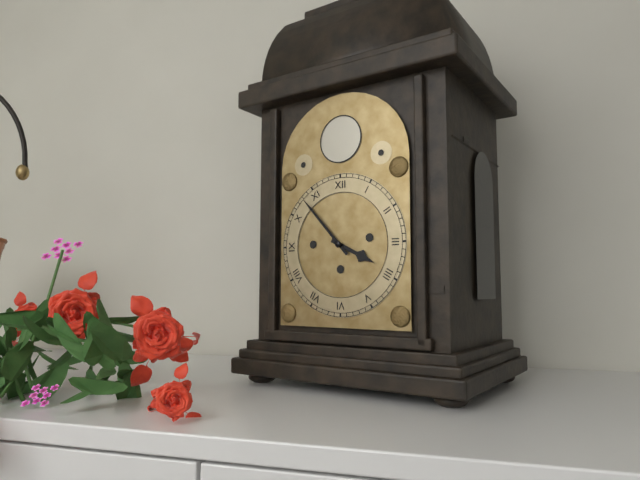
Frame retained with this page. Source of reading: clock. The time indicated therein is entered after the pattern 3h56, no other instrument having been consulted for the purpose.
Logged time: 3h53
